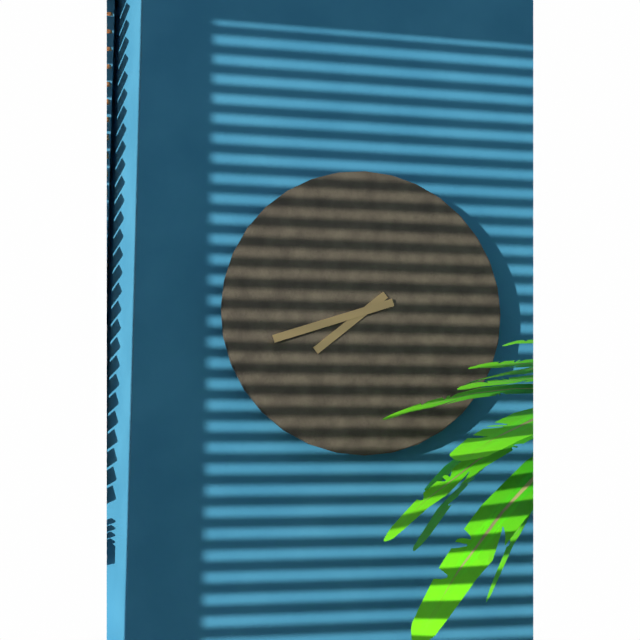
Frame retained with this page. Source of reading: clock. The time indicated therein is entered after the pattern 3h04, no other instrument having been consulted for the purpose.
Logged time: 7h42
